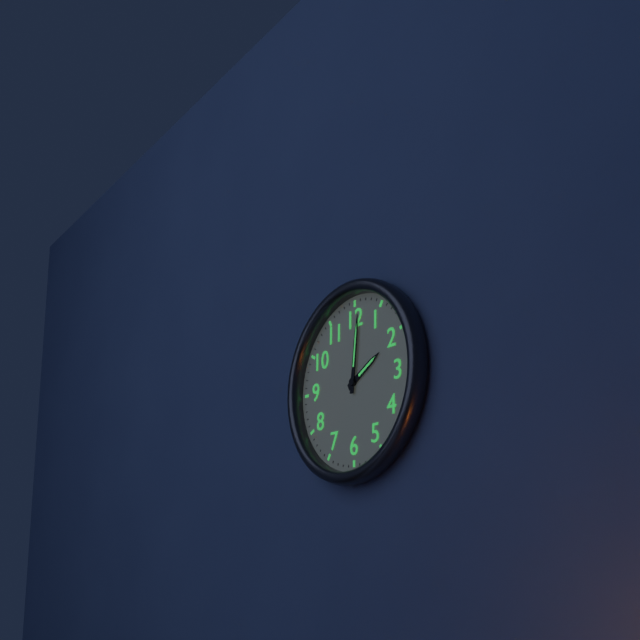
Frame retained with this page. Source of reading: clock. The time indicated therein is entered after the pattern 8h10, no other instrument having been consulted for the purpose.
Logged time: 2h01
